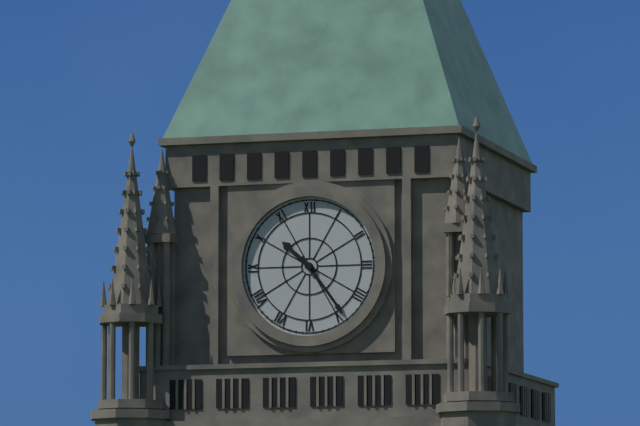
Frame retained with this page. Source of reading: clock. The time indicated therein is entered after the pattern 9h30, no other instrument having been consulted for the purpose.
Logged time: 10h24
